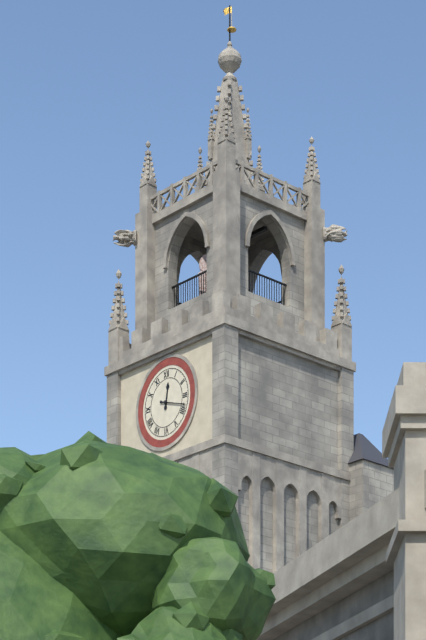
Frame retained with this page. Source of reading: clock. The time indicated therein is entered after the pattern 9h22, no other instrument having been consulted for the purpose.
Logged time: 12h18
